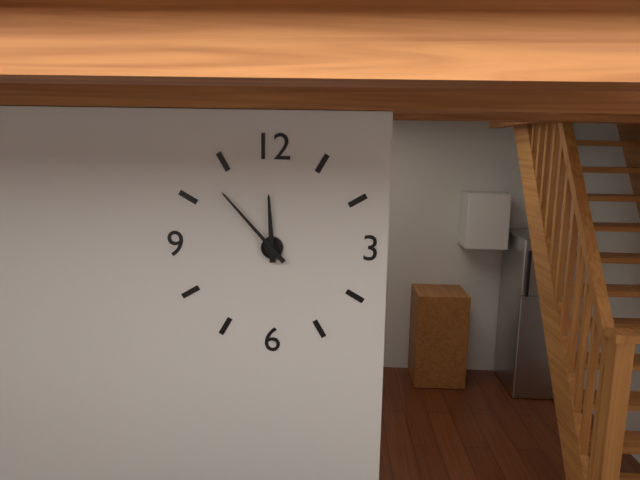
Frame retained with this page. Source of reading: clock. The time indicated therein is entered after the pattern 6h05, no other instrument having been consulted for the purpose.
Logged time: 11h53
